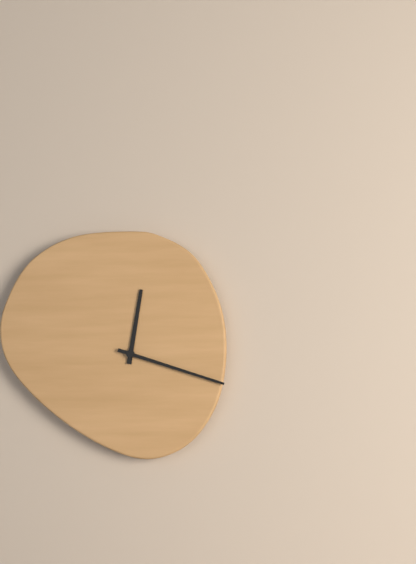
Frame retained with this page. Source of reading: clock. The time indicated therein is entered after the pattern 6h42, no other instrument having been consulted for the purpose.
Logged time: 12h18
